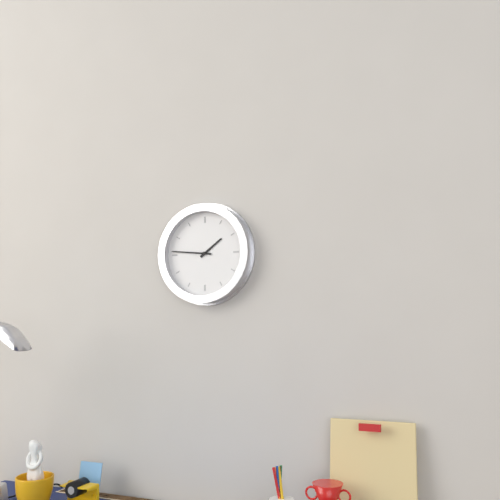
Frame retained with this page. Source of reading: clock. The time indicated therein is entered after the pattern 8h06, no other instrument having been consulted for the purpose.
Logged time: 1h46
